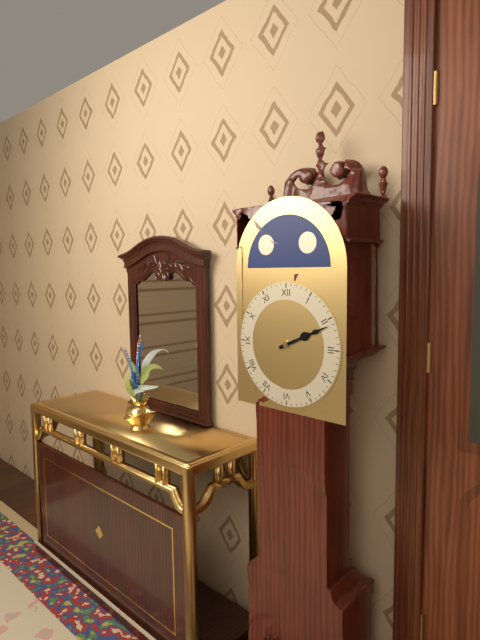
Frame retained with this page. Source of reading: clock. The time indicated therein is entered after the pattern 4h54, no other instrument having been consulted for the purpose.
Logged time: 2h11
